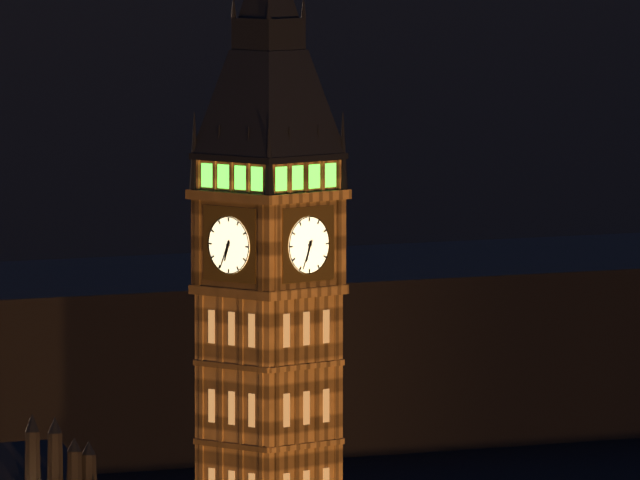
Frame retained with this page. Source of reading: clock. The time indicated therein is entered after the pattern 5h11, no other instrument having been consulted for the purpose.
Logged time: 6h34
